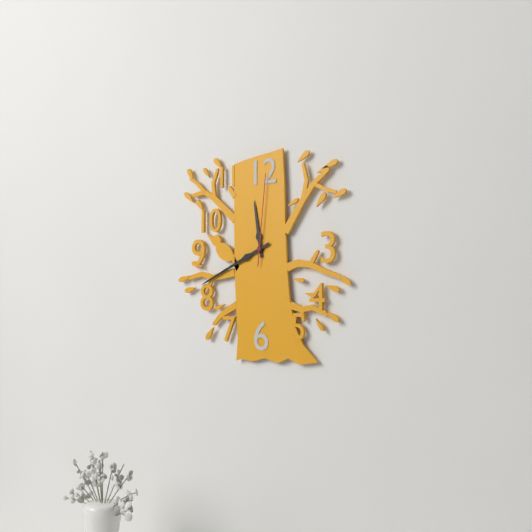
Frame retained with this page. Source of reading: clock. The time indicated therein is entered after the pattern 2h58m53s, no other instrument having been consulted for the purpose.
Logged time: 11h41m01s
